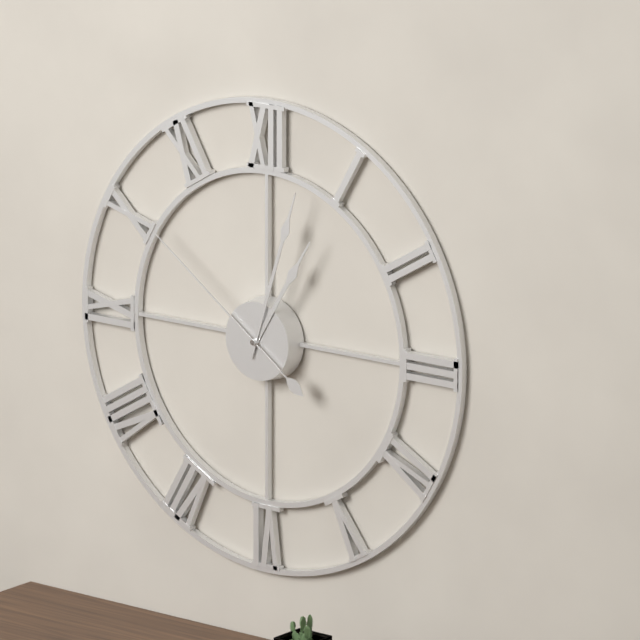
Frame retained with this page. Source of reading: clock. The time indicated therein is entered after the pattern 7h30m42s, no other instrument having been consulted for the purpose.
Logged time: 1h03m51s
